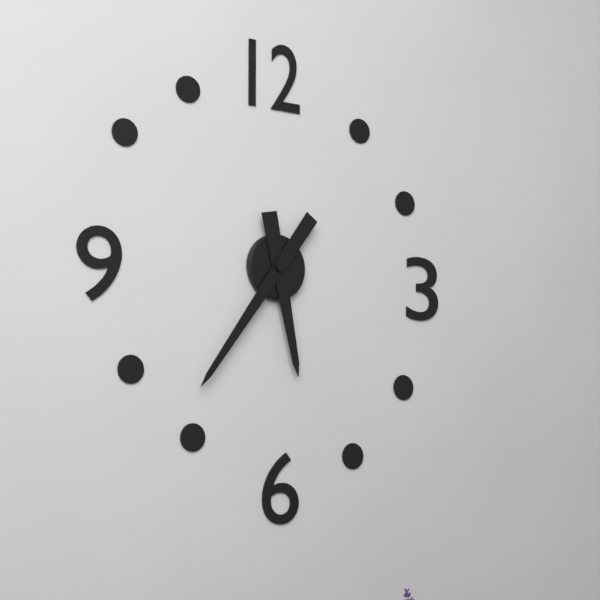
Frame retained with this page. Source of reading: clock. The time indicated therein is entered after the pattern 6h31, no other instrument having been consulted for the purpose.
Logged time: 5h36
